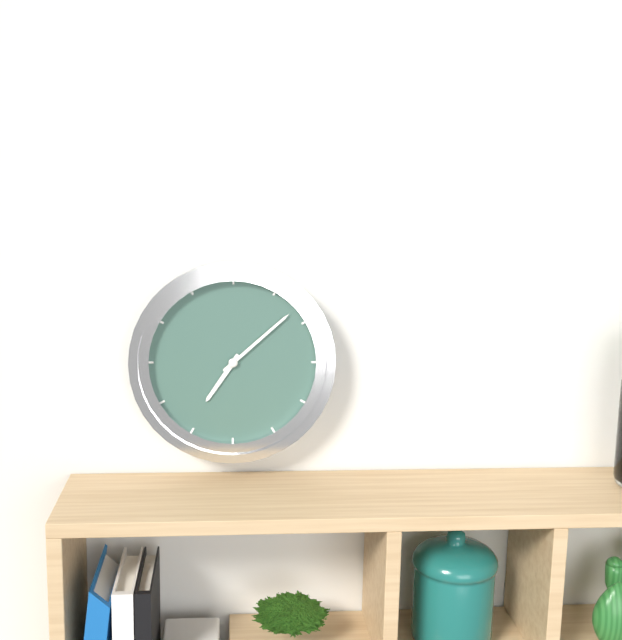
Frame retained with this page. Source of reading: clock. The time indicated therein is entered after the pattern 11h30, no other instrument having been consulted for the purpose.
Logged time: 7h08
